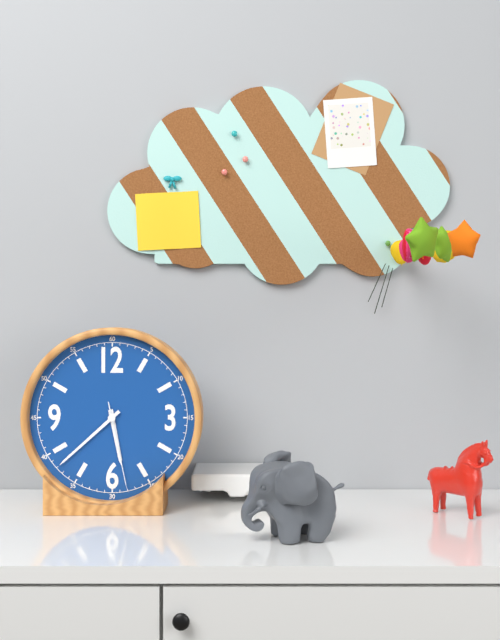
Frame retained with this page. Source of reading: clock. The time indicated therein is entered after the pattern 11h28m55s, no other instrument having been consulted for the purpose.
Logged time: 5h38m28s
